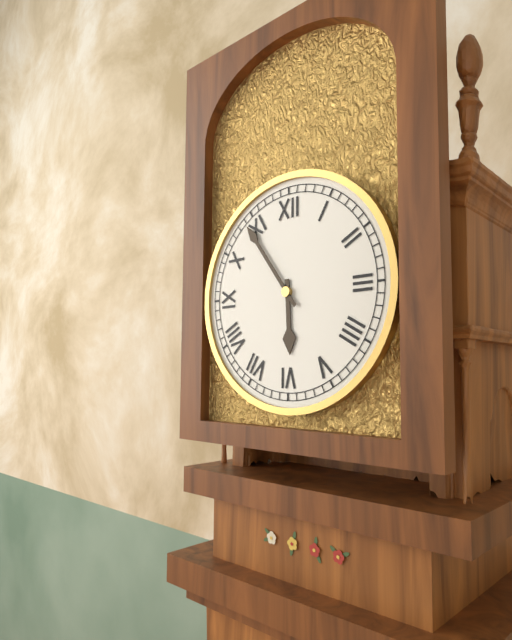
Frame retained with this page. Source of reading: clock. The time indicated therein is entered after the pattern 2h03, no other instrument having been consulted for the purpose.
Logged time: 5h54
